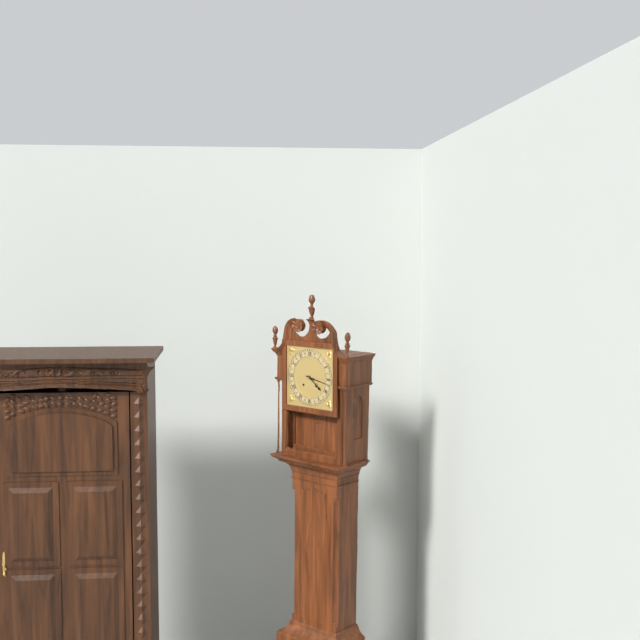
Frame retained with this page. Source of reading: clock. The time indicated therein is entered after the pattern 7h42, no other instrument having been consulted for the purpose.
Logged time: 4h17
